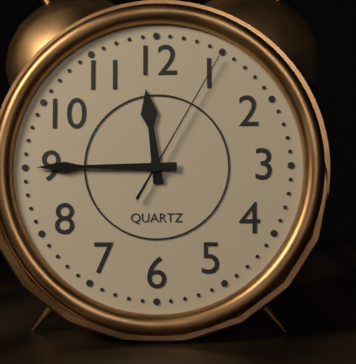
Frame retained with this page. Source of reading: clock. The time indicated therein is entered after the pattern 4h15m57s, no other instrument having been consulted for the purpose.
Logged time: 11h45m05s
